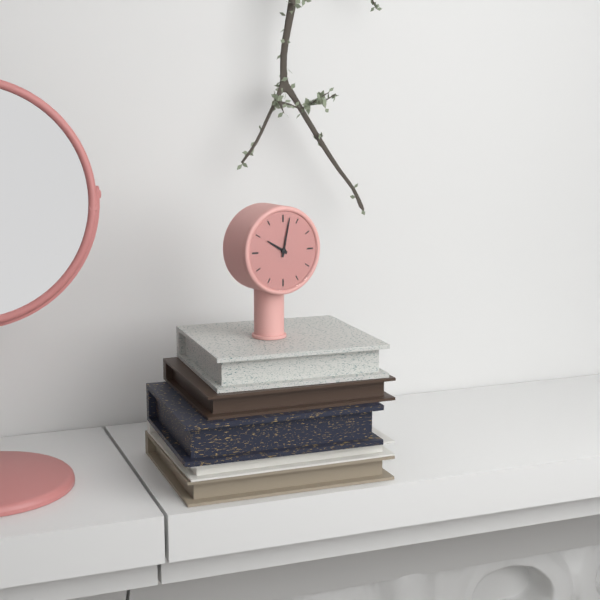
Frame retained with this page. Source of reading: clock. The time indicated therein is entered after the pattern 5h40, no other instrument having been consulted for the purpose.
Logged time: 10h02
